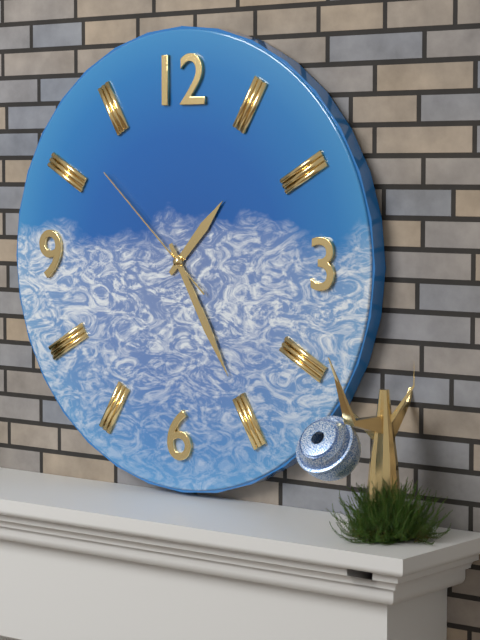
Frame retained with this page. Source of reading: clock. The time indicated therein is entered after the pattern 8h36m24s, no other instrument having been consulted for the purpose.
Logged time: 1h25m52s
